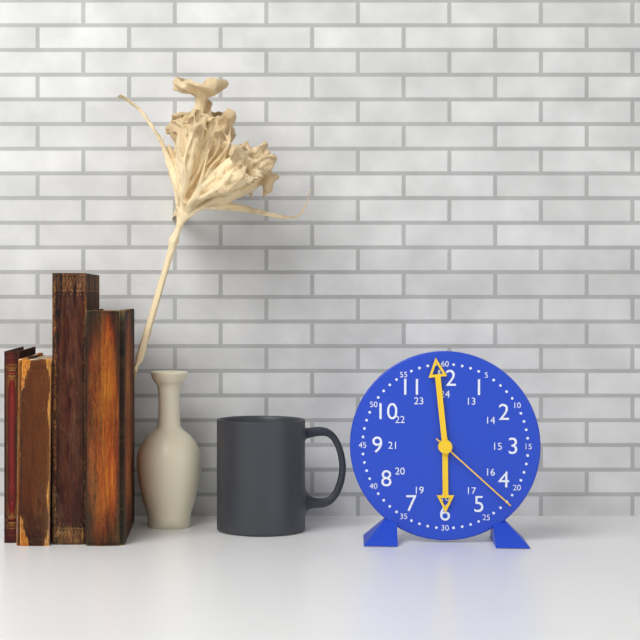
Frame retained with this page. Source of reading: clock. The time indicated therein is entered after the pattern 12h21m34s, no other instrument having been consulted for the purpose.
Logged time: 5h59m22s
